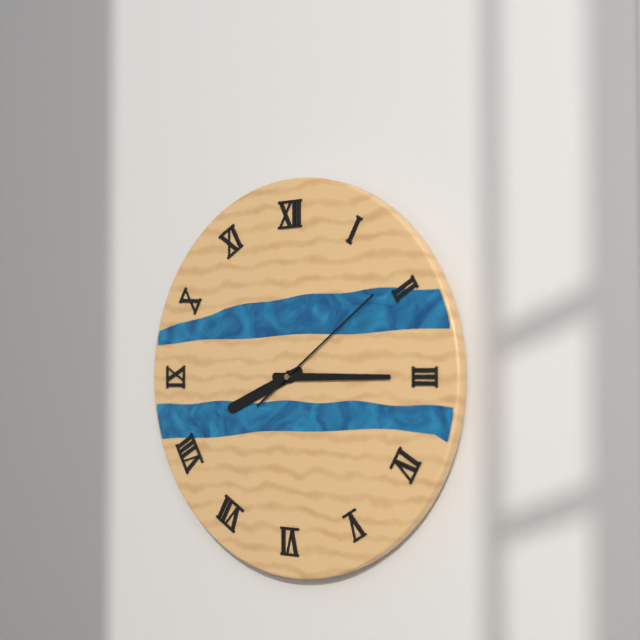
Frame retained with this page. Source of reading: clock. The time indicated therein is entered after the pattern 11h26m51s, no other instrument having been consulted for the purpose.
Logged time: 8h15m09s
